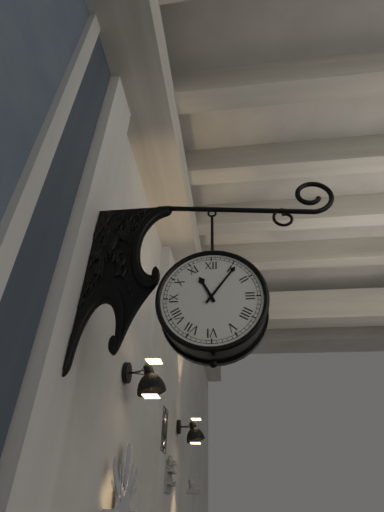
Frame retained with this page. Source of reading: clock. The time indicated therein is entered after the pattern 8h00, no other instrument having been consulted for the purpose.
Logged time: 11h06
